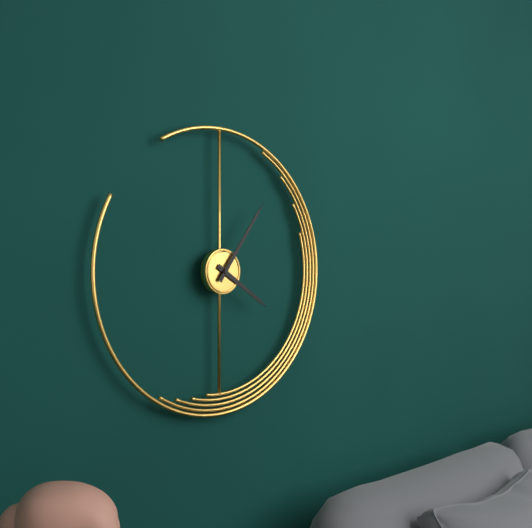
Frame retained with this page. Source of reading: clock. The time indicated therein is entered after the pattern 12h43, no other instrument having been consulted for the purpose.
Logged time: 4h06
